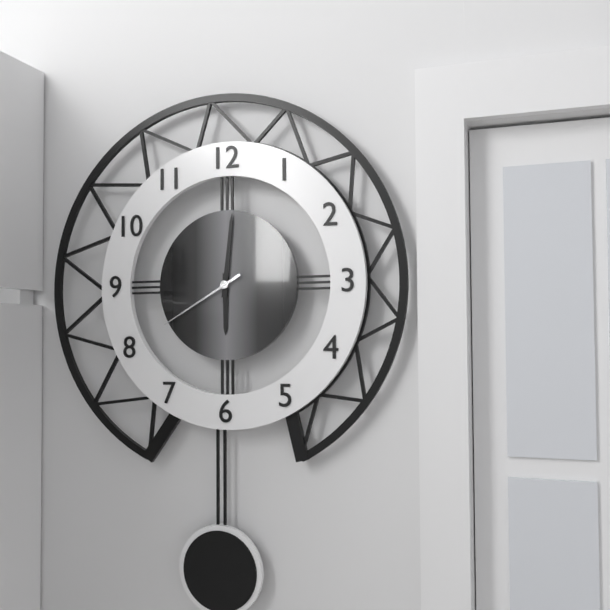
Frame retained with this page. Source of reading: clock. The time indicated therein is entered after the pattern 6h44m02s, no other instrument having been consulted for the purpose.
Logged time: 6h01m40s
